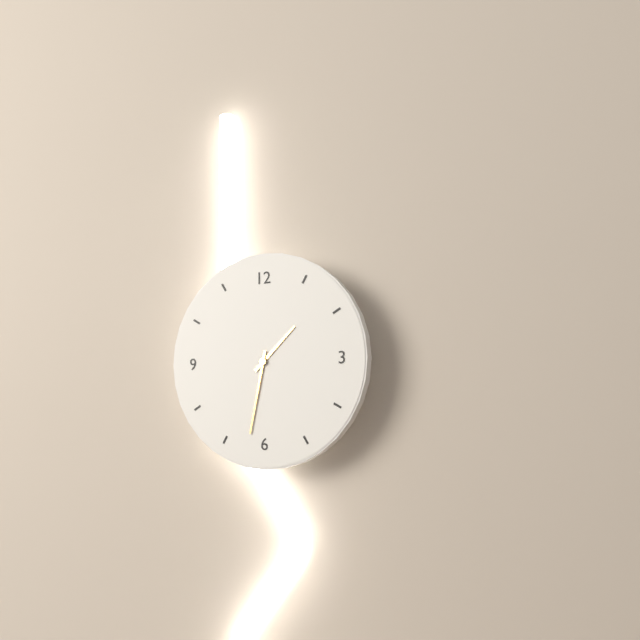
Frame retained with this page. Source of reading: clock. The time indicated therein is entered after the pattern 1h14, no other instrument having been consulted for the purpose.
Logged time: 1h32
